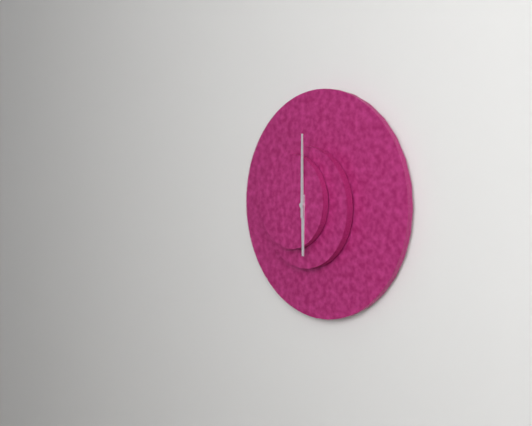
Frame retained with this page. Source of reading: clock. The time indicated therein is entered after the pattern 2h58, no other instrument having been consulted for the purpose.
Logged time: 6h00
